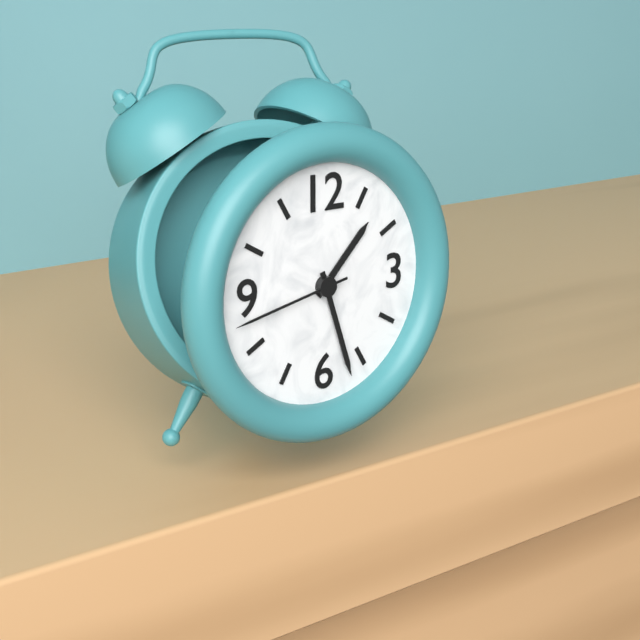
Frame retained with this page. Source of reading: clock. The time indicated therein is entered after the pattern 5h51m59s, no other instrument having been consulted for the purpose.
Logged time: 1h27m43s
